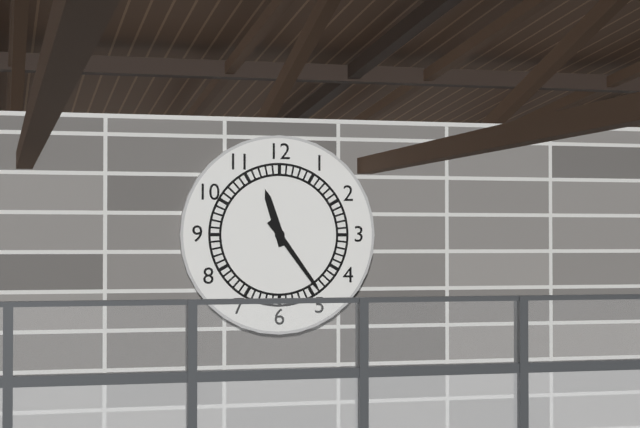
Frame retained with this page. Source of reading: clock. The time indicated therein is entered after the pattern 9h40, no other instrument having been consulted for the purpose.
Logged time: 11h24
